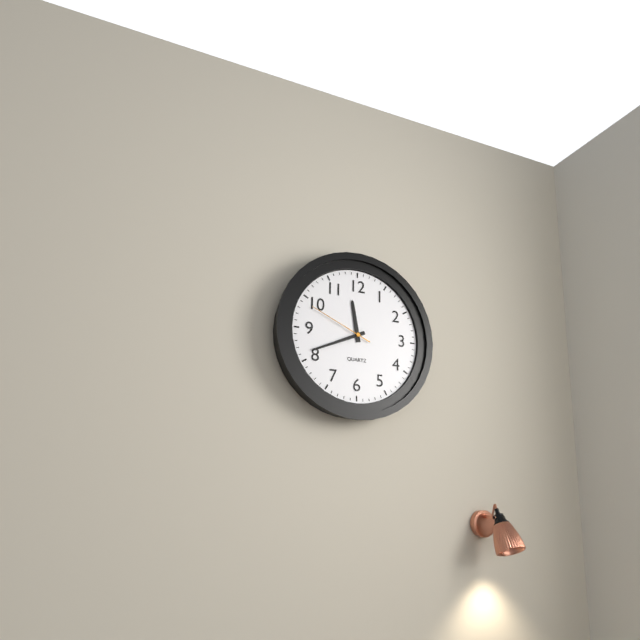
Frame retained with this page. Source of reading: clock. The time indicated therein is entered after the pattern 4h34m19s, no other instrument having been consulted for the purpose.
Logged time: 11h41m49s
